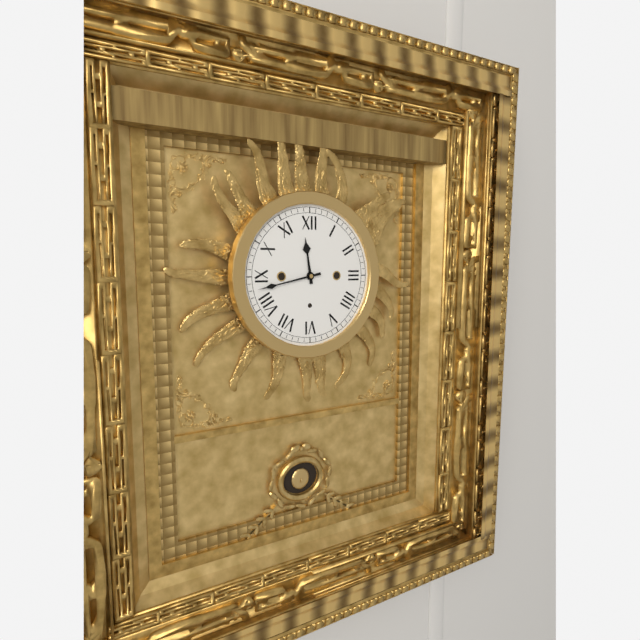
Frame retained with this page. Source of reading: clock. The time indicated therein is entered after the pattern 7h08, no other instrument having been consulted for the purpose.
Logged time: 11h43
